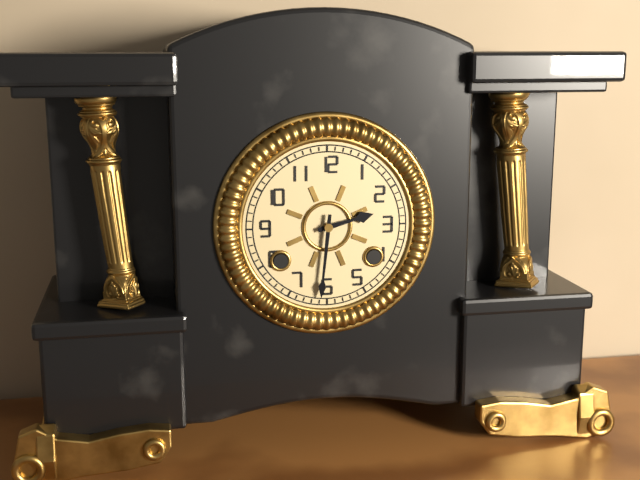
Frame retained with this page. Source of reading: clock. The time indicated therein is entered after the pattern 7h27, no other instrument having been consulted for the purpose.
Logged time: 2h31
